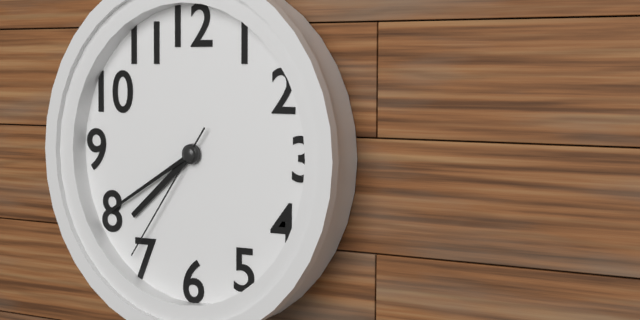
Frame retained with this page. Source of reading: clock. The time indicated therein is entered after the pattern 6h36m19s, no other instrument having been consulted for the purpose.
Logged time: 7h40m36s
